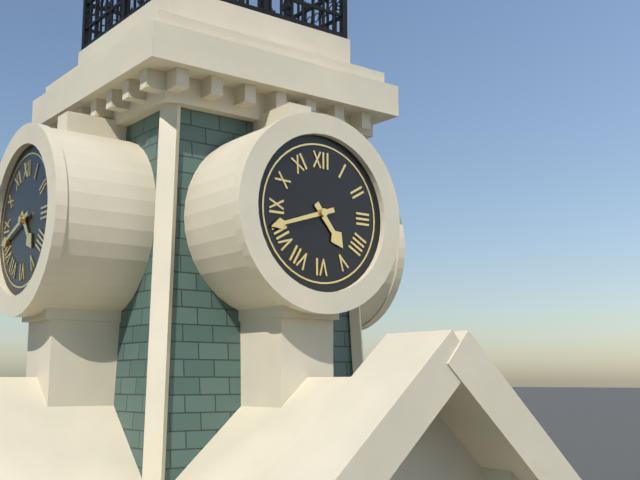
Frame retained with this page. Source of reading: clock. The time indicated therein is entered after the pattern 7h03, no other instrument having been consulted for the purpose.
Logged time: 4h42
